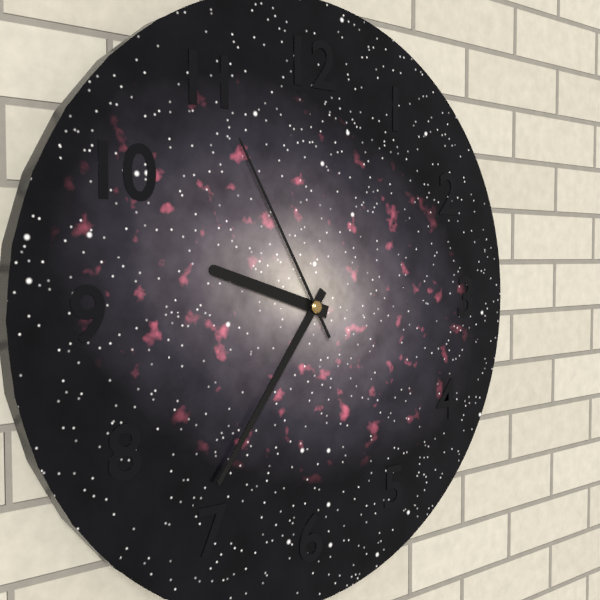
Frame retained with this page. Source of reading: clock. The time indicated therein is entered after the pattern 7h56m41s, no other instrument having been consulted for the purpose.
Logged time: 9h36m55s
